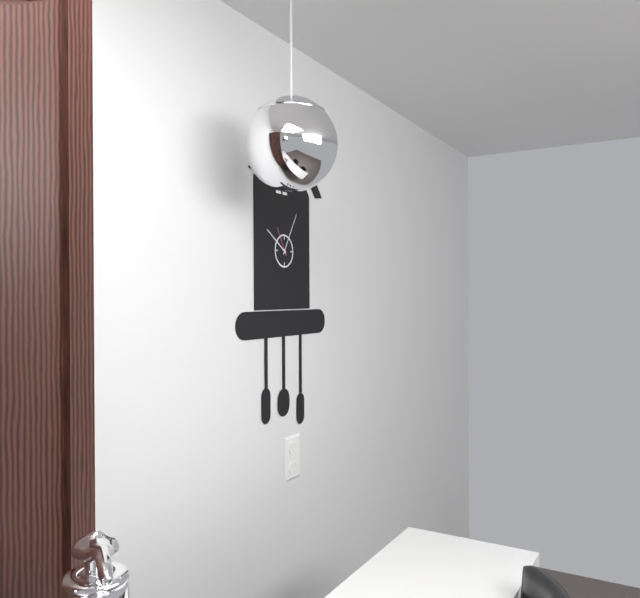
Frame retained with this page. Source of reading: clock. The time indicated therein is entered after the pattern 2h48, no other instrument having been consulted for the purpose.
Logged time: 10h05
